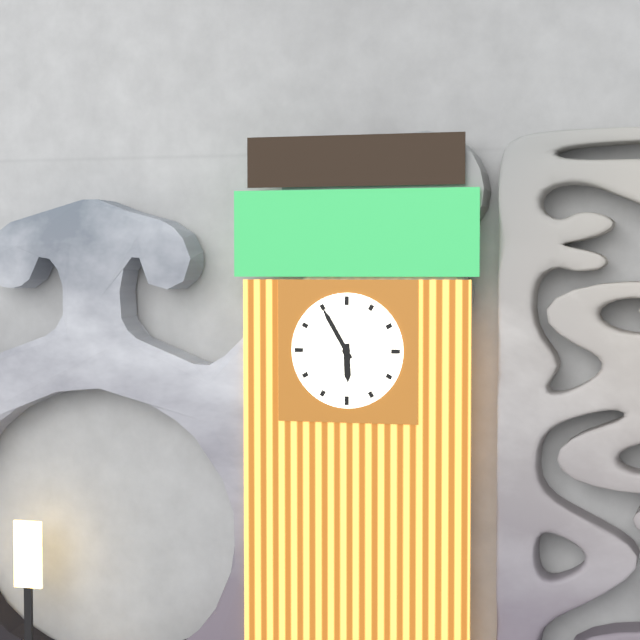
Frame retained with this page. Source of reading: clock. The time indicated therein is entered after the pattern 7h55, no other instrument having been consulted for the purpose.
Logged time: 5h55
